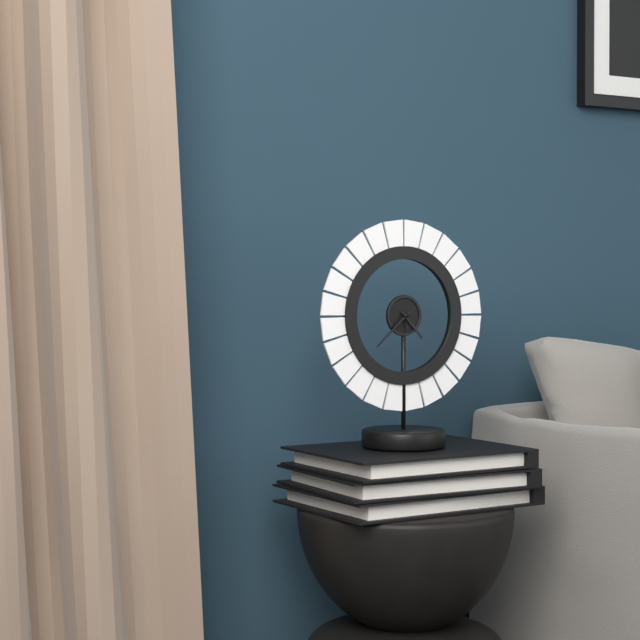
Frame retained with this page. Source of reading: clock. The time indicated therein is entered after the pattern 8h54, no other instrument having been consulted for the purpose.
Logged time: 4h38
